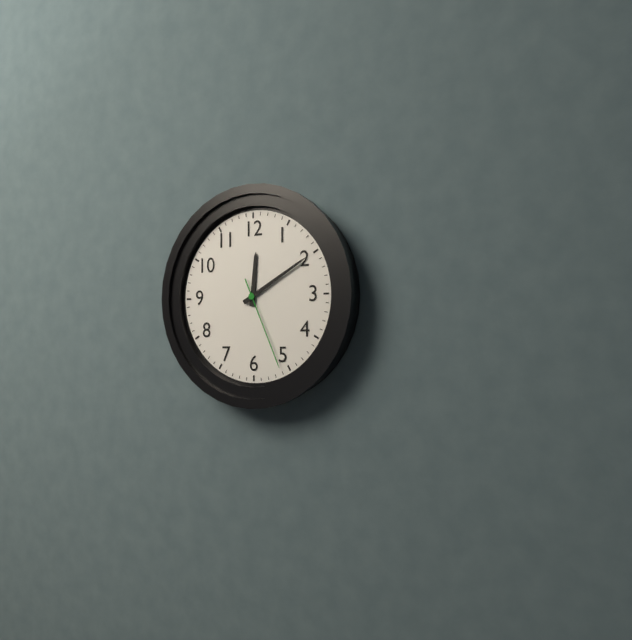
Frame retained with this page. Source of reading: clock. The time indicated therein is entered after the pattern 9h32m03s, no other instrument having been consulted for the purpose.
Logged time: 12h10m26s
